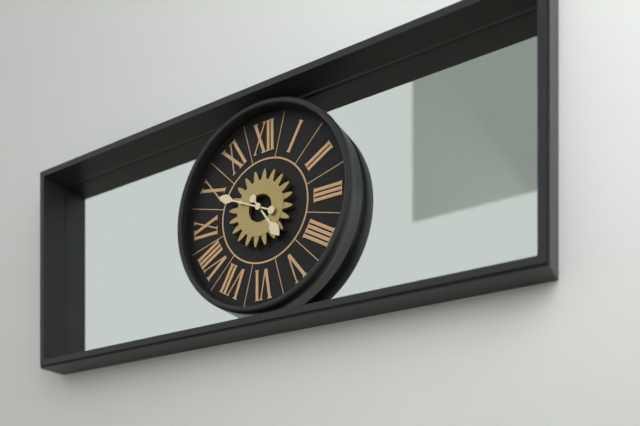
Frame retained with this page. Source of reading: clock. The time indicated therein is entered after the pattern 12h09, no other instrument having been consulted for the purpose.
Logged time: 4h49
